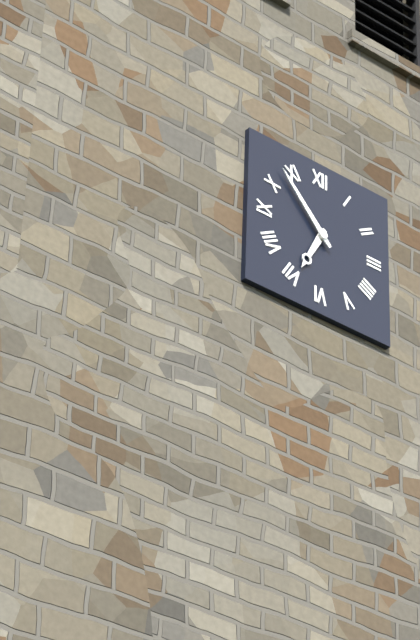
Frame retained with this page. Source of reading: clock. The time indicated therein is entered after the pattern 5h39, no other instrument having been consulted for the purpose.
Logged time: 6h53
